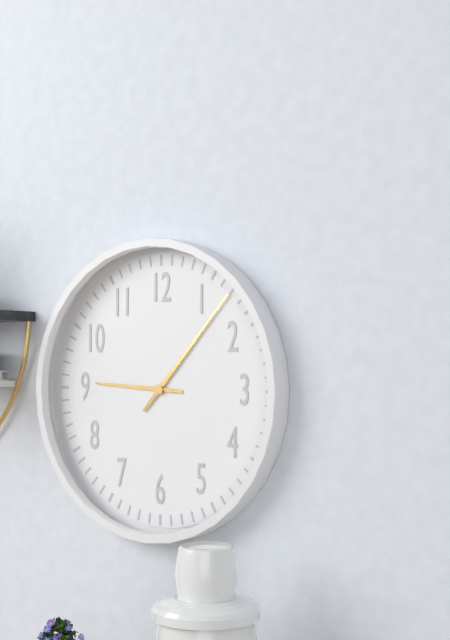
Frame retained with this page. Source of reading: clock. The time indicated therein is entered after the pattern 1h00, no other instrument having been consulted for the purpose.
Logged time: 9h07
